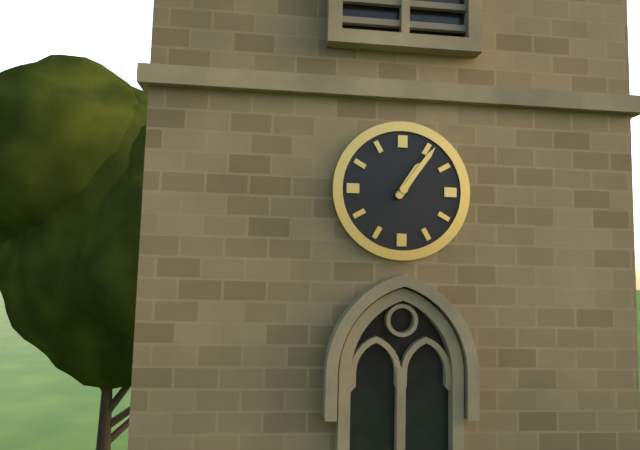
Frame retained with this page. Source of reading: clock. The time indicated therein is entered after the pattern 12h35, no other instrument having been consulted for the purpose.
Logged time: 1h06
